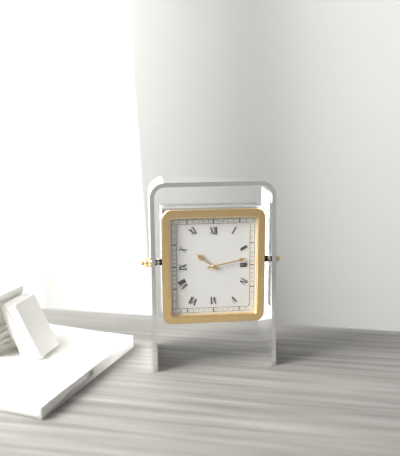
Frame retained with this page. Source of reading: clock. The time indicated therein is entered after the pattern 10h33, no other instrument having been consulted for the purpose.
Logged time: 10h13
